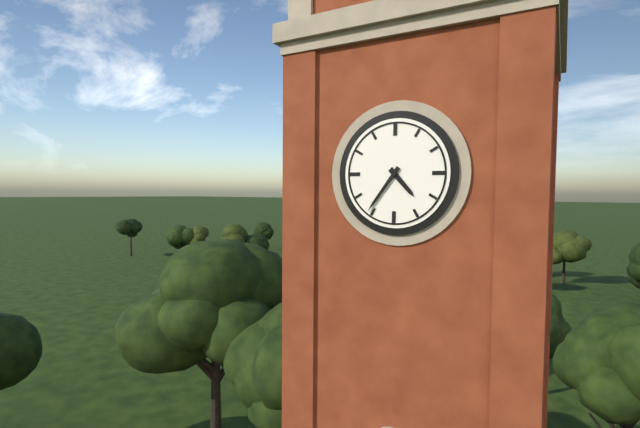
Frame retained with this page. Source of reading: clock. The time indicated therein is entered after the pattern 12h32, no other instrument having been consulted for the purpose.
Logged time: 4h36
